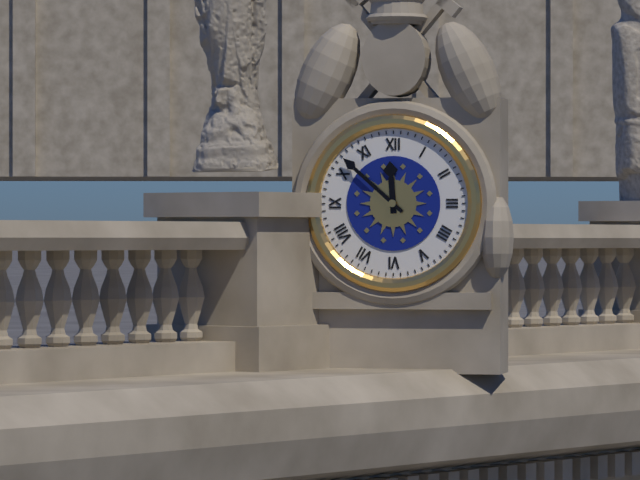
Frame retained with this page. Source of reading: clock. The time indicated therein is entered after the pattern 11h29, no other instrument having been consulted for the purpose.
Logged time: 11h52
